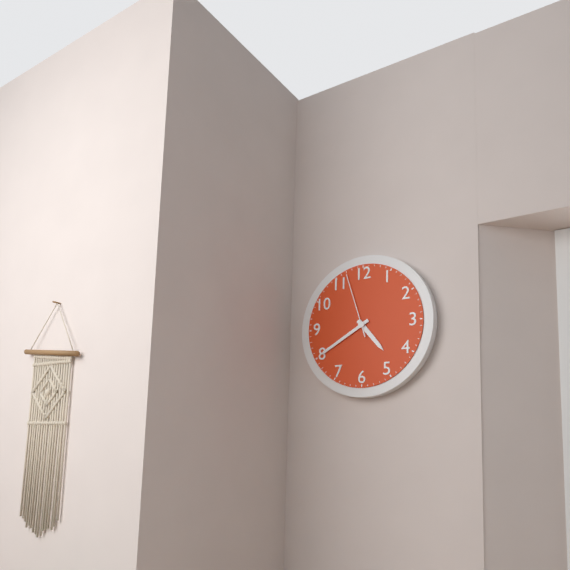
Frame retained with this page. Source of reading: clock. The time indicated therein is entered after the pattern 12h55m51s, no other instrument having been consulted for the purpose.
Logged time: 4h40m57s
